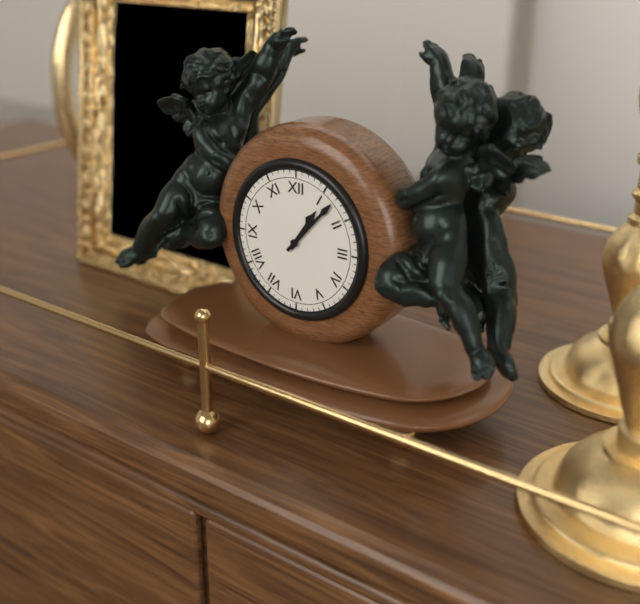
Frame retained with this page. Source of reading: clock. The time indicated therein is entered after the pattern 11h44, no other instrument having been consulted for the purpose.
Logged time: 1h07
